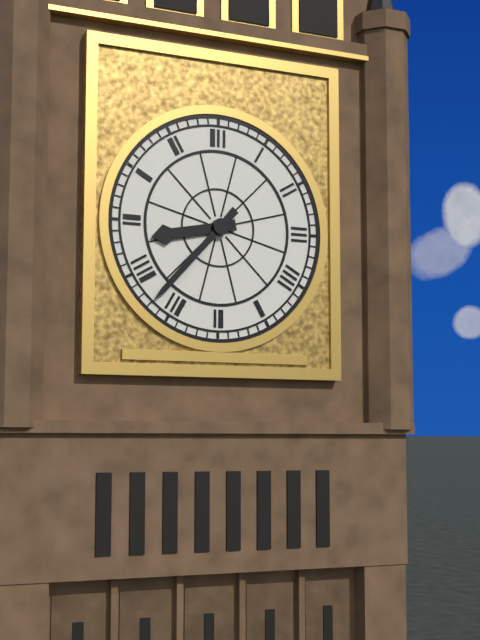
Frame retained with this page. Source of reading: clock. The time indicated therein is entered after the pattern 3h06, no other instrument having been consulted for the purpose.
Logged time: 8h37
